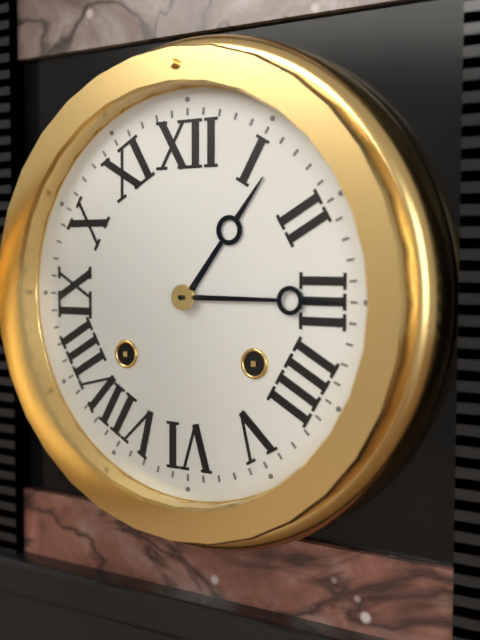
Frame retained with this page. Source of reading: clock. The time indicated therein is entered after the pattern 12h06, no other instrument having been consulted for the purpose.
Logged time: 1h15
